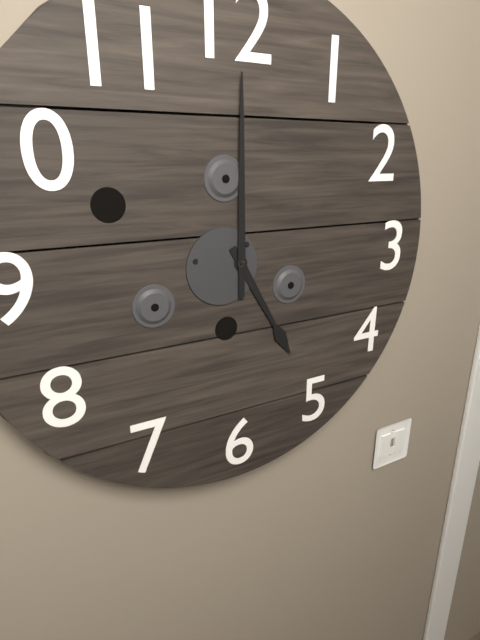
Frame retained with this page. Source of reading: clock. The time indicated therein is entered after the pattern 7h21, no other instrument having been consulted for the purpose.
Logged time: 5h00
